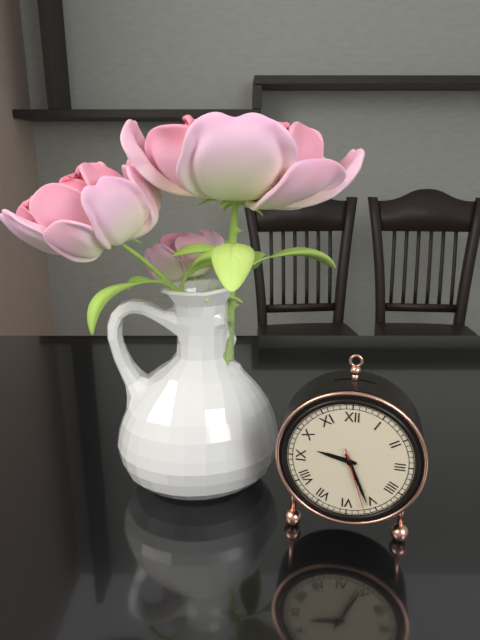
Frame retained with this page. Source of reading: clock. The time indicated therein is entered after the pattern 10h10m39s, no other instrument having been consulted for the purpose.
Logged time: 9h26m27s
